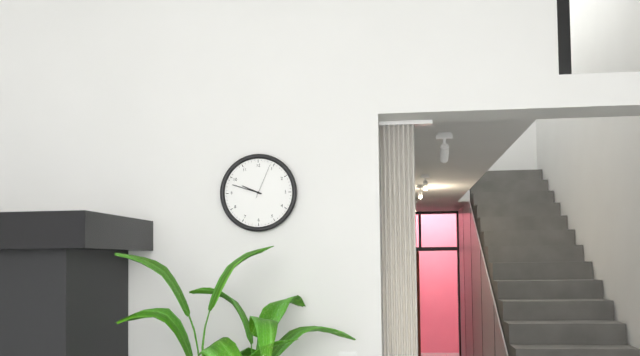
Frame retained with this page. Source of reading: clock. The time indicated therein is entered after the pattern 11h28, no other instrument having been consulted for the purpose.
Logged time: 9h48
